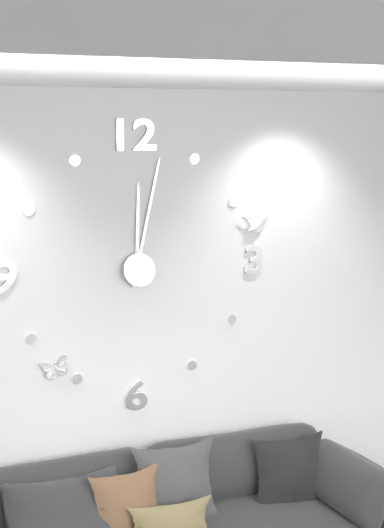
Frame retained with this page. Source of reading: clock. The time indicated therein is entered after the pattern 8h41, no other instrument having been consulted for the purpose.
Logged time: 12h02
